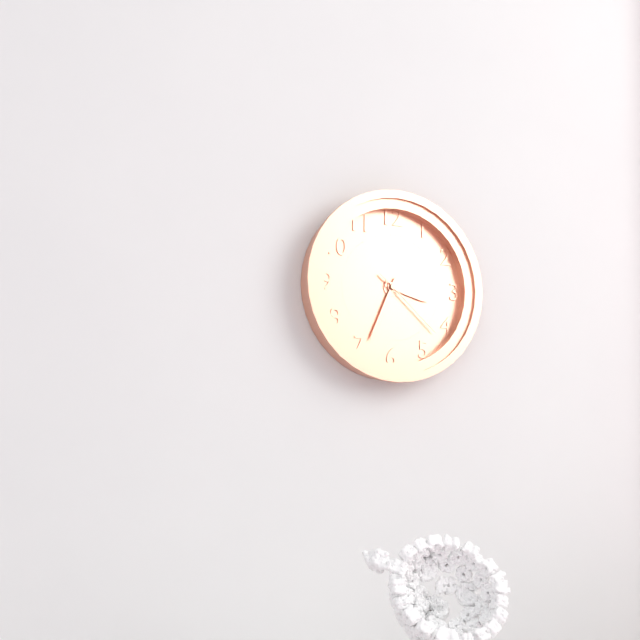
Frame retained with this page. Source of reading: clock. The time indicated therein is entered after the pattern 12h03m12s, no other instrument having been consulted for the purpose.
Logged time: 3h34m22s
